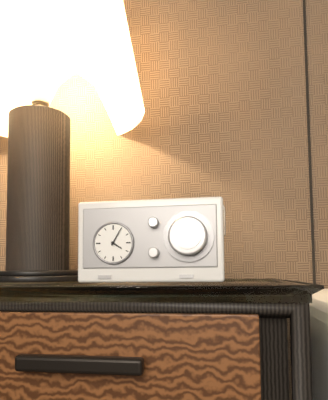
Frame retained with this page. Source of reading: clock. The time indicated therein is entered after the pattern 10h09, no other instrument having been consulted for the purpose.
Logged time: 4h05
